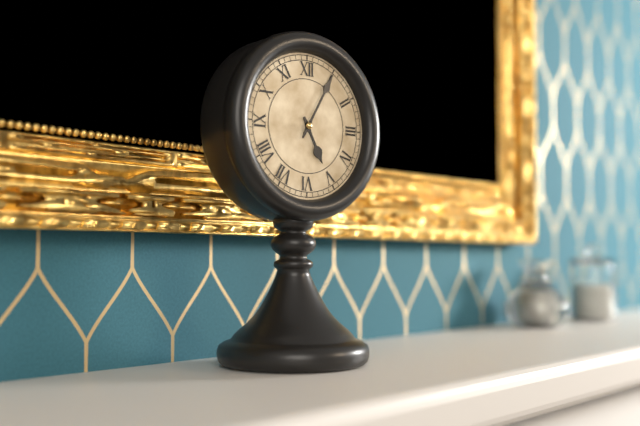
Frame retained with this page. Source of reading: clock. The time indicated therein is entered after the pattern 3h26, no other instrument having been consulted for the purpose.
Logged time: 5h05
